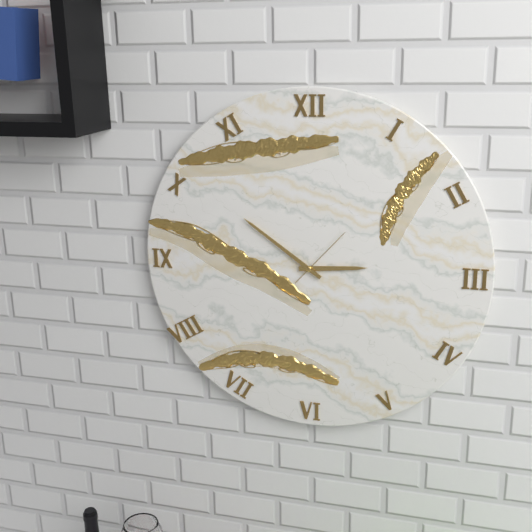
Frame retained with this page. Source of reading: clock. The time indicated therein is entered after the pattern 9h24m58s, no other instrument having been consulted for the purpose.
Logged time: 2h51m07s
